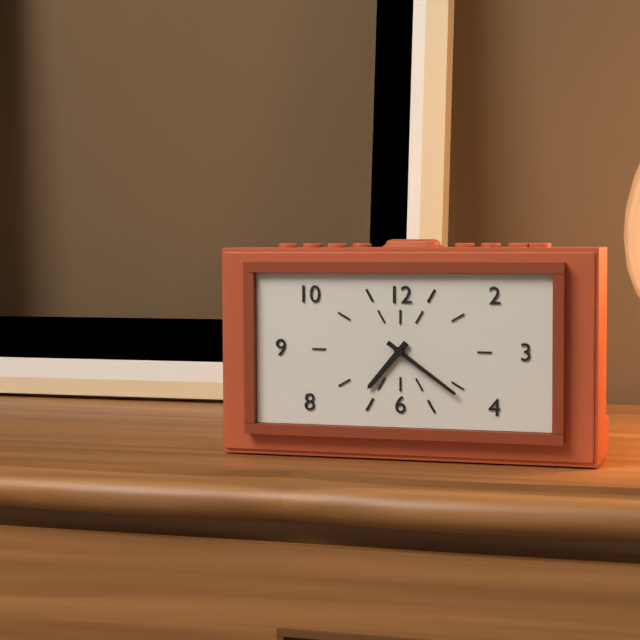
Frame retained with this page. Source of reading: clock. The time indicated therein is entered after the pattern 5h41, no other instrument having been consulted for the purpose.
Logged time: 7h21
